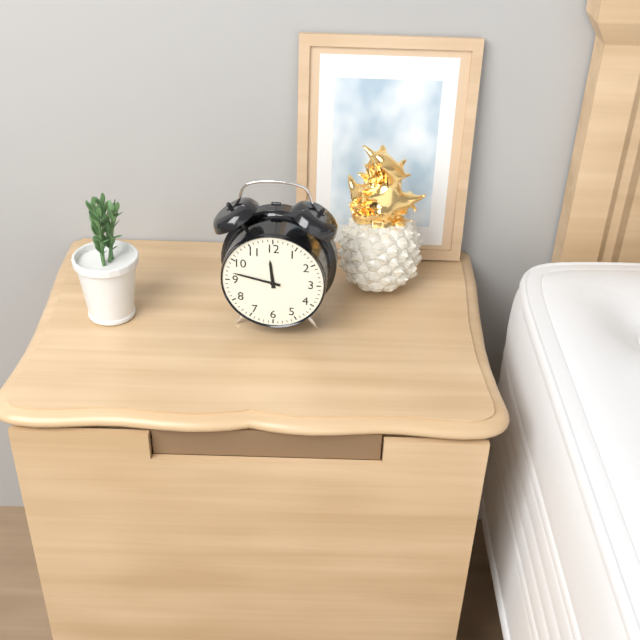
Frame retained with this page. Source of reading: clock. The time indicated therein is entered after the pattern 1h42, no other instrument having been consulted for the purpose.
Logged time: 11h47
